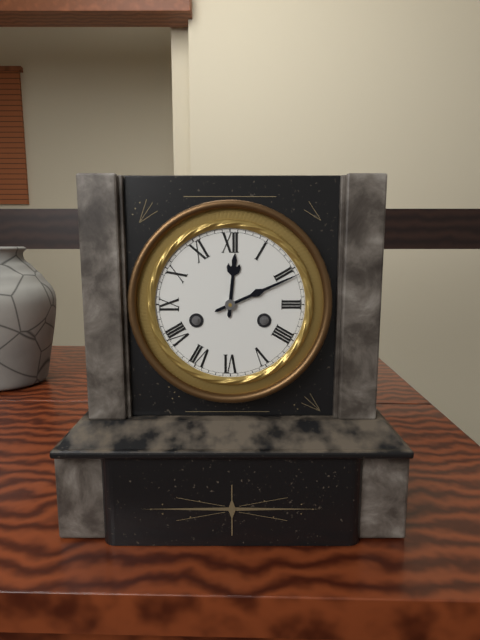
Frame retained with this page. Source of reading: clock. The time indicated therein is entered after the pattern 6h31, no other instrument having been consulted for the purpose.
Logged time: 12h11
